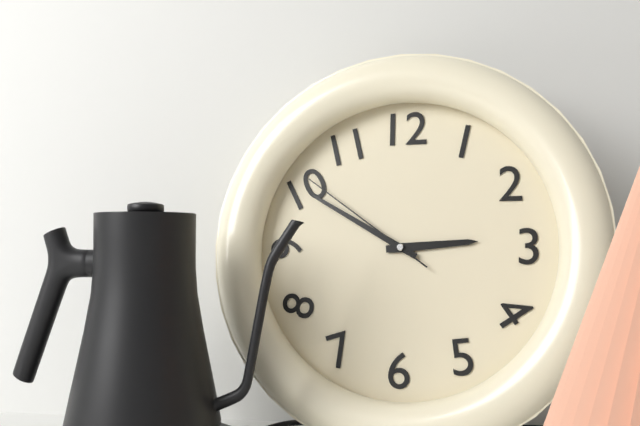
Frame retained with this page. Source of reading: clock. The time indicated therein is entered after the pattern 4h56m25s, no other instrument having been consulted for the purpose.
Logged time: 2h50m51s
